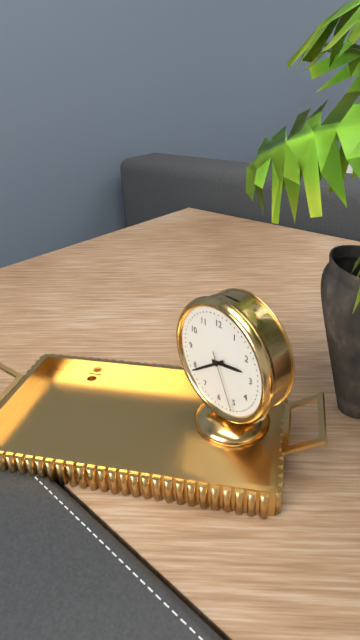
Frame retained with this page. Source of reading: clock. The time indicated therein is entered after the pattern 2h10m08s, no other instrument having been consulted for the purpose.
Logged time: 2h39m26s
